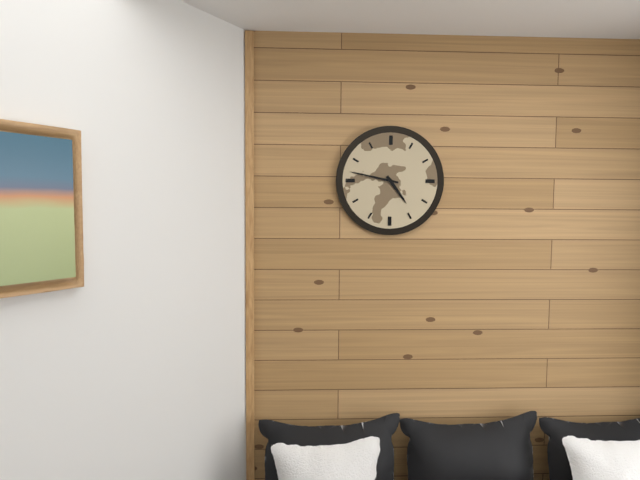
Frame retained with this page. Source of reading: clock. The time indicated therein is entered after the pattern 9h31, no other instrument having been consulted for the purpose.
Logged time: 4h47
